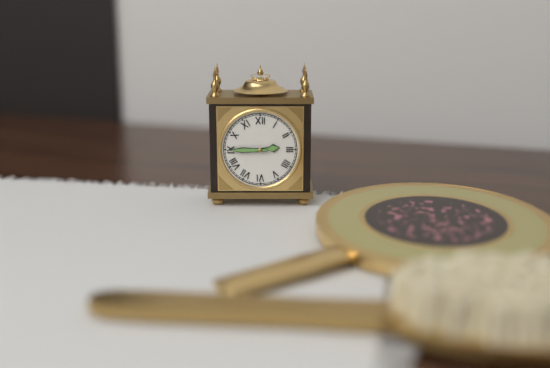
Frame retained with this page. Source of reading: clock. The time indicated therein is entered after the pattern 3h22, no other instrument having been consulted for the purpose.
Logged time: 2h45
